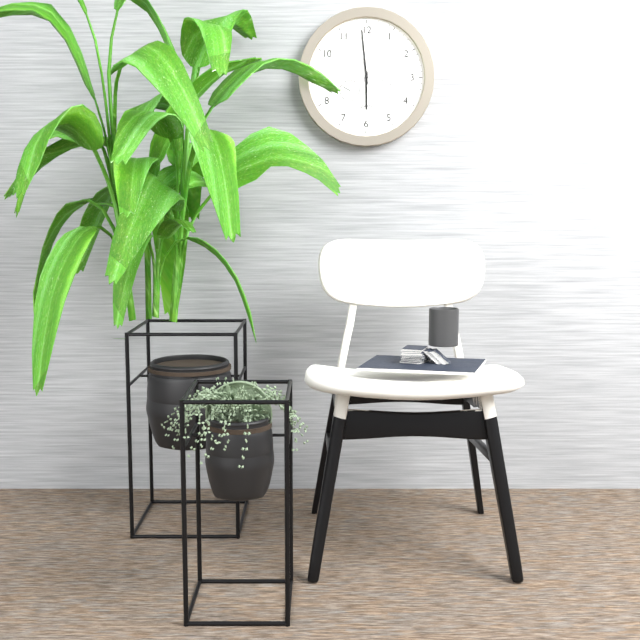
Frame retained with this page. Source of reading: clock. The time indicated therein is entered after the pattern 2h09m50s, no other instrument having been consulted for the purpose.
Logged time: 5h59m35s
